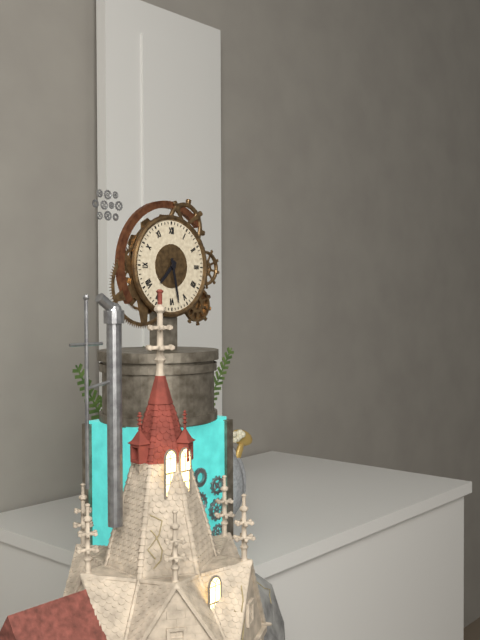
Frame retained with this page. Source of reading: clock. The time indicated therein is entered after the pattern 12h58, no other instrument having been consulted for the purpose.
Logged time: 7h28
